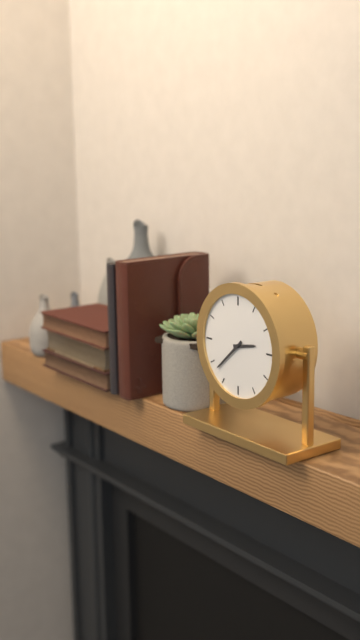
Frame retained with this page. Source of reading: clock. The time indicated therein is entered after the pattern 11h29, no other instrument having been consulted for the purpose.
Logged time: 2h38
